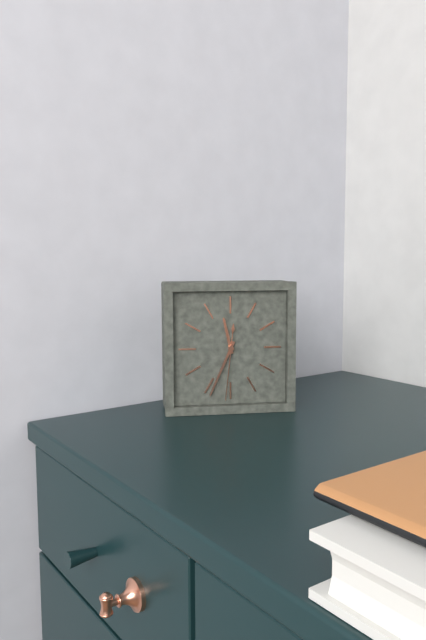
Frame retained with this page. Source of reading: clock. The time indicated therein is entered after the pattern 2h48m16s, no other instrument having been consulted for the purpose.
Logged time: 11h34m31s
